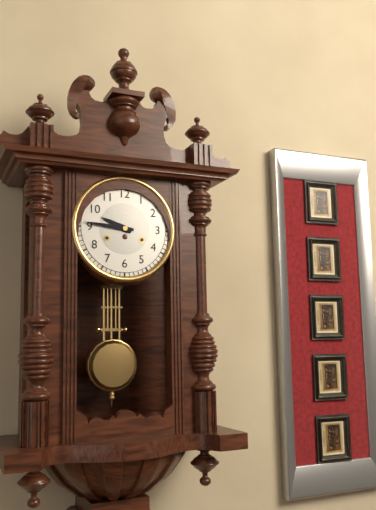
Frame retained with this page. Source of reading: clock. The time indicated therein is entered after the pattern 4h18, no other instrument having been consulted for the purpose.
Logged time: 9h46
